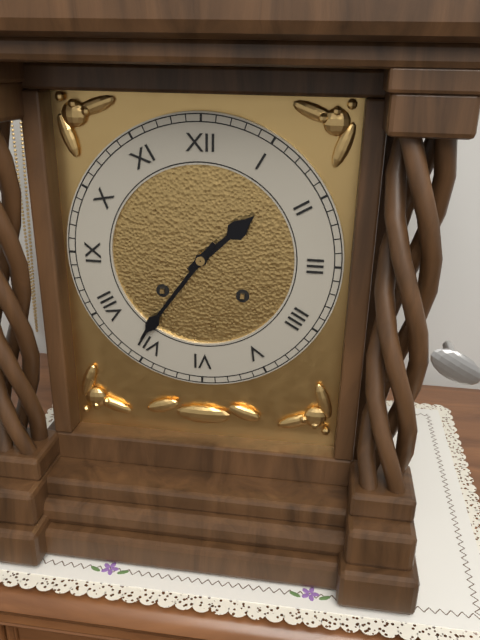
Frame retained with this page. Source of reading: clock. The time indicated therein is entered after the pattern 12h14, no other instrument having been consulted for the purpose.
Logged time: 1h36
